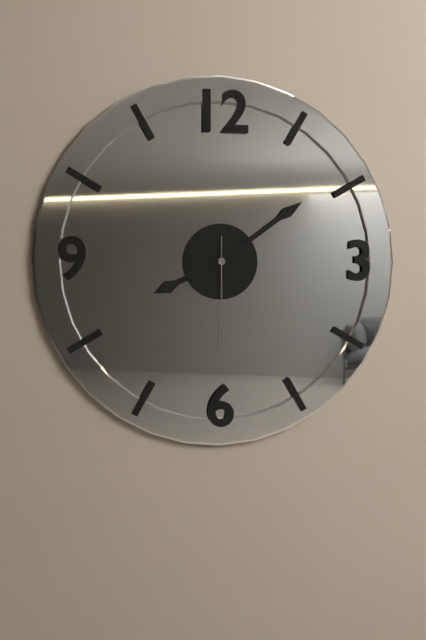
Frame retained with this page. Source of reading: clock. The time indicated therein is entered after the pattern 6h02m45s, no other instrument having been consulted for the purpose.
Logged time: 8h09m30s
